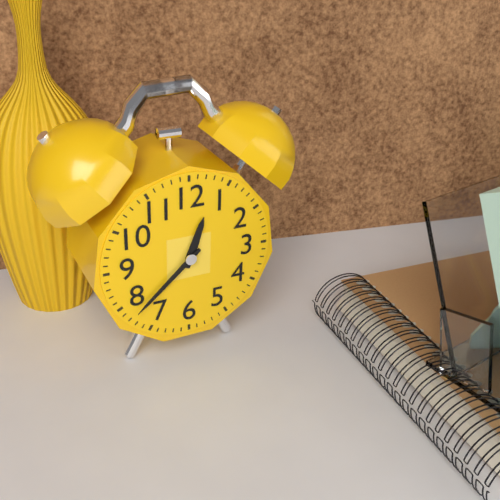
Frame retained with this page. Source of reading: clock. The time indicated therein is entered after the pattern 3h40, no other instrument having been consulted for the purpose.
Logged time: 12h38
